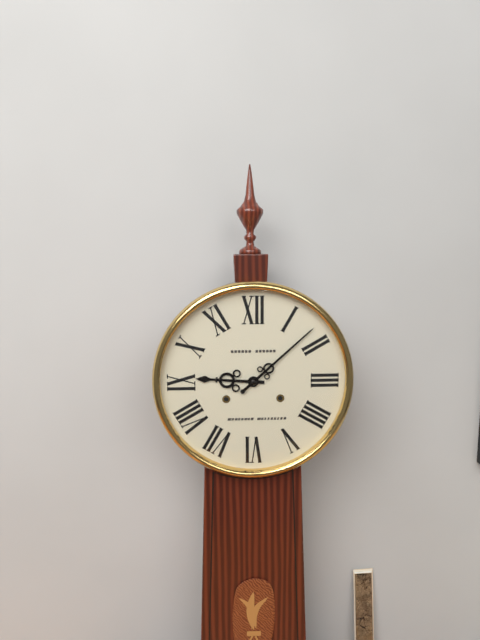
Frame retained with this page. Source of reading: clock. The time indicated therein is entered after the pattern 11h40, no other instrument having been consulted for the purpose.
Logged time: 9h08
